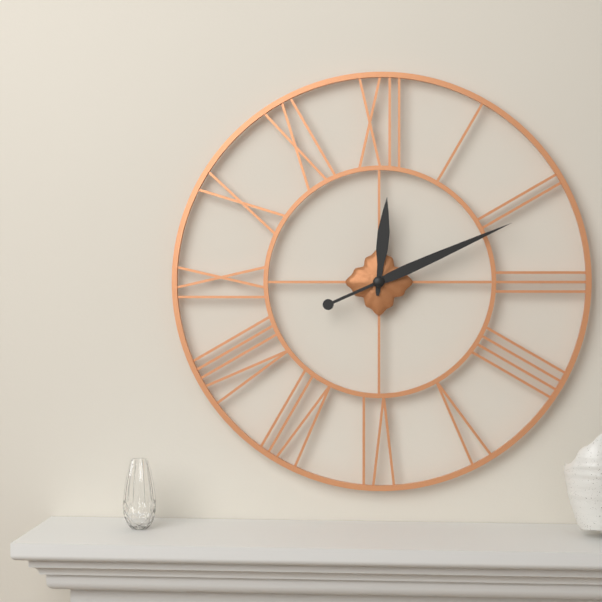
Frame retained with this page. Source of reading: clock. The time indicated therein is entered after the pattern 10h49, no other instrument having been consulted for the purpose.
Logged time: 12h11
